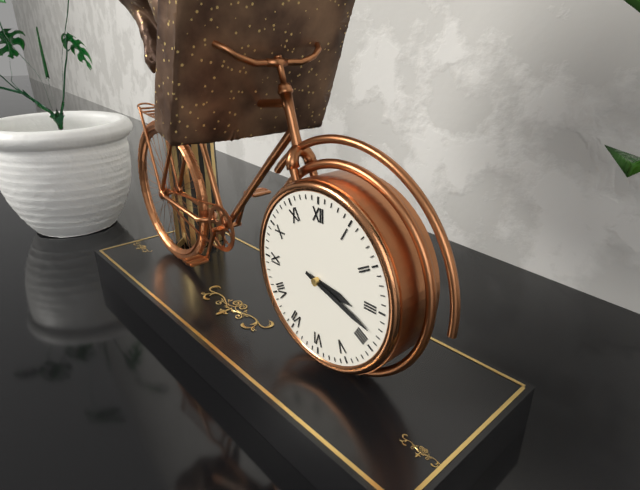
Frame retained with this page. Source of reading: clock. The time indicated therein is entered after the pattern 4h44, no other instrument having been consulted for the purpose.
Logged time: 3h18
